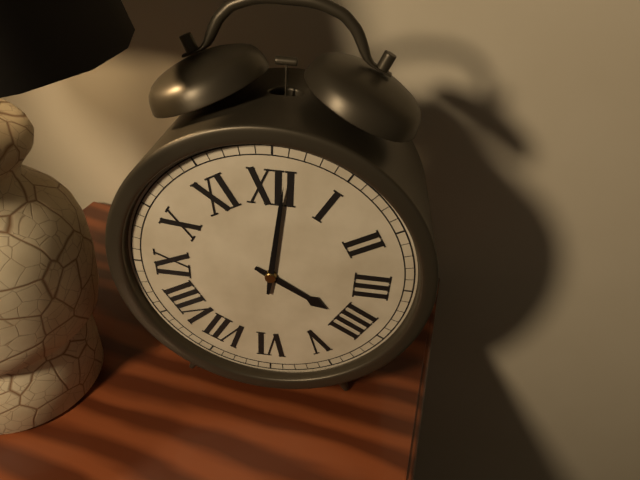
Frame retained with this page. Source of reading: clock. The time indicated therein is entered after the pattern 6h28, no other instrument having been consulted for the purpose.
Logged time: 4h01
